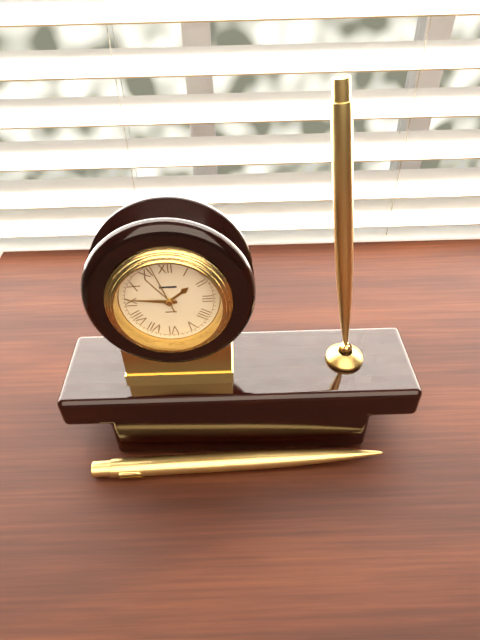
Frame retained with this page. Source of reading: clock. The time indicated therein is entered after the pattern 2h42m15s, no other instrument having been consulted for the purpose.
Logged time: 1h46m57s
